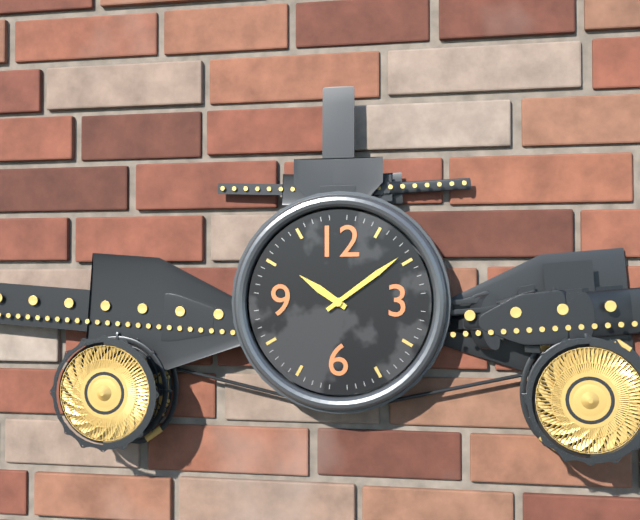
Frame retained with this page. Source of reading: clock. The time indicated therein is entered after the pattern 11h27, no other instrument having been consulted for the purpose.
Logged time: 10h09
